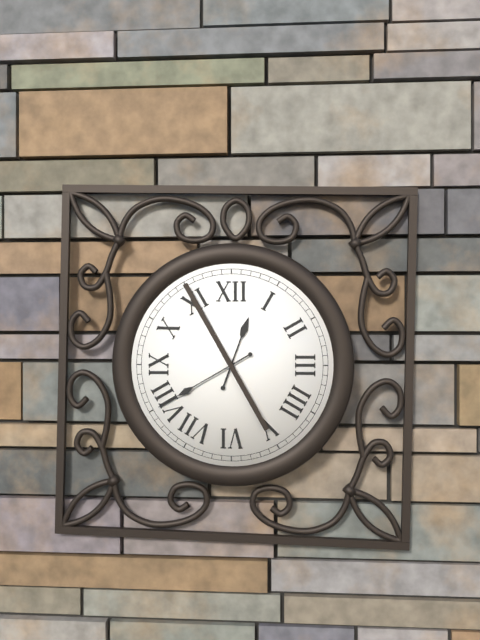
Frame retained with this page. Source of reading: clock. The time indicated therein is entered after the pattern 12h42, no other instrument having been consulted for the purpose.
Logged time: 12h40
